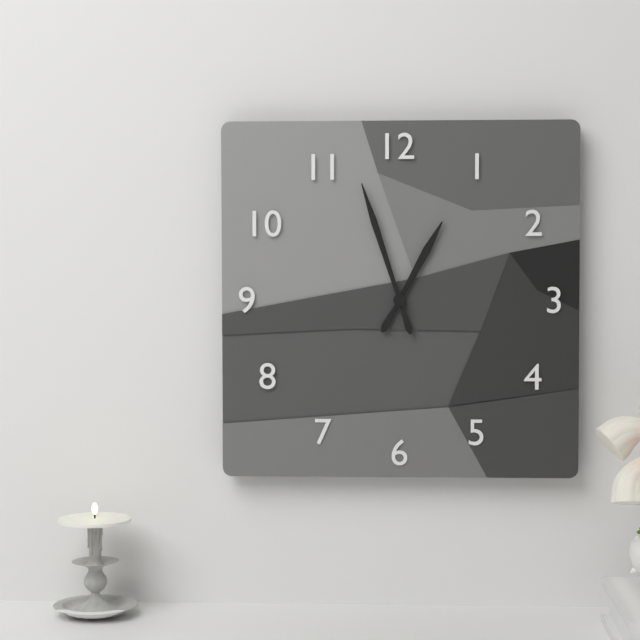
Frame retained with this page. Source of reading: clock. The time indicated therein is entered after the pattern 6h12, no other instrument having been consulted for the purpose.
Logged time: 12h57
